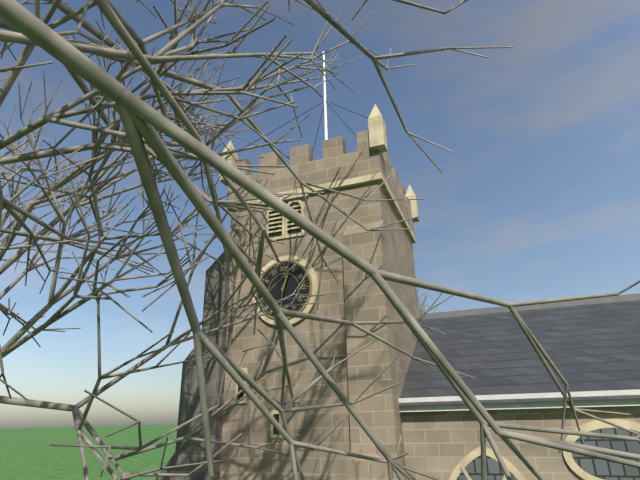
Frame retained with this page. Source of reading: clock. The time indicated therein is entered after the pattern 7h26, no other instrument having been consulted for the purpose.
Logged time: 12h31
